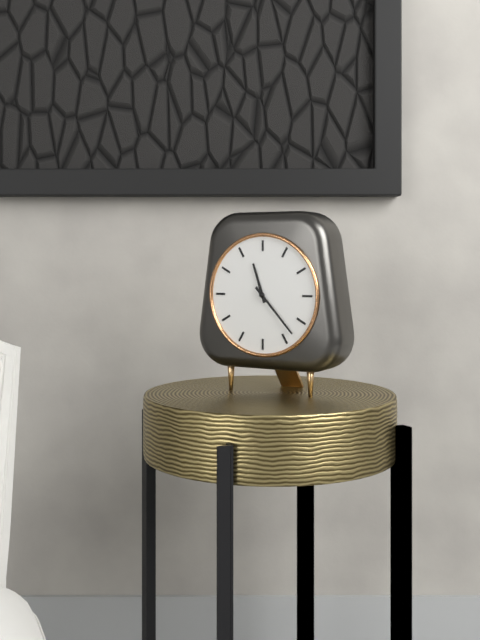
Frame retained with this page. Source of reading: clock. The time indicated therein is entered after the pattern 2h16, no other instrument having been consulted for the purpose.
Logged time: 11h23
